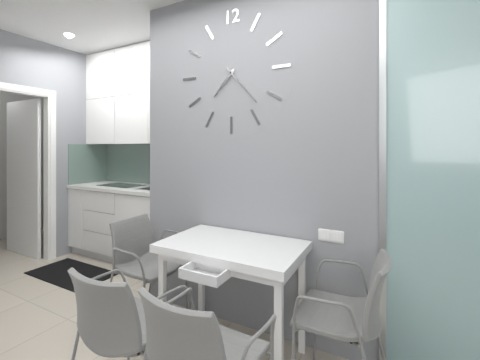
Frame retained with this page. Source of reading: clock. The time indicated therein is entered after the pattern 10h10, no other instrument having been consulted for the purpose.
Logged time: 7h23
